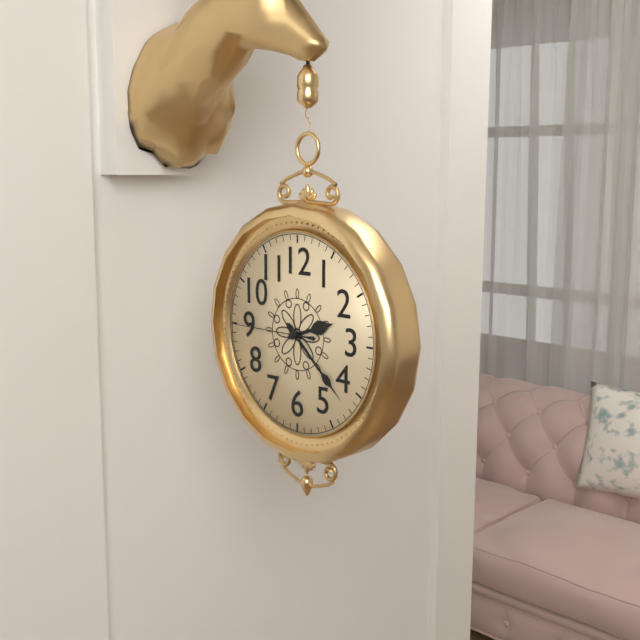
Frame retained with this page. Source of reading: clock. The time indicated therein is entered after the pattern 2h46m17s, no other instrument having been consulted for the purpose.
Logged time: 2h22m45s
